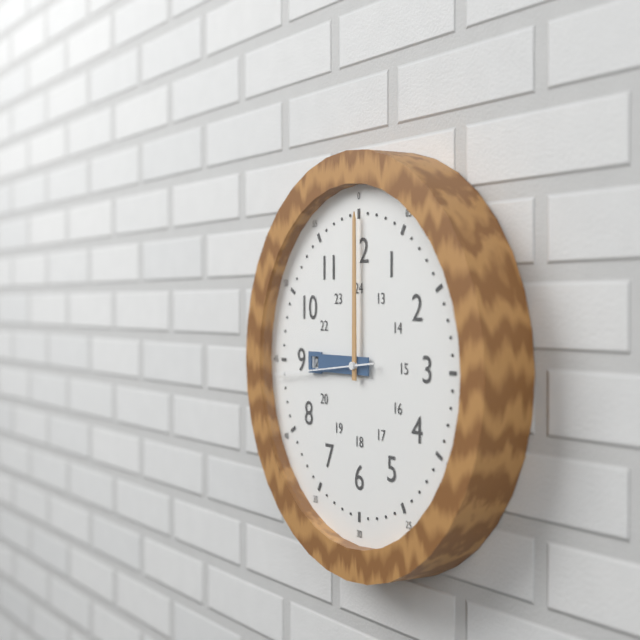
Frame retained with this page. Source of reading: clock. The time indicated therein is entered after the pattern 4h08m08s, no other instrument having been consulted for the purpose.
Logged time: 9h00m44s
